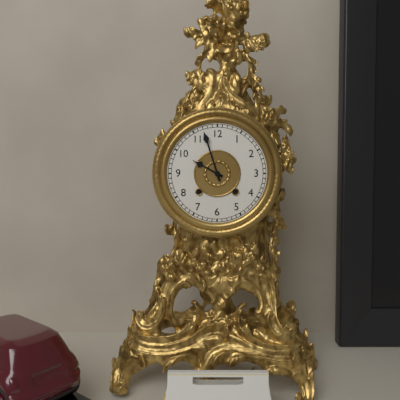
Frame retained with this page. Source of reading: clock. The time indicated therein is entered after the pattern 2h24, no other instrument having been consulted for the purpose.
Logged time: 9h57
